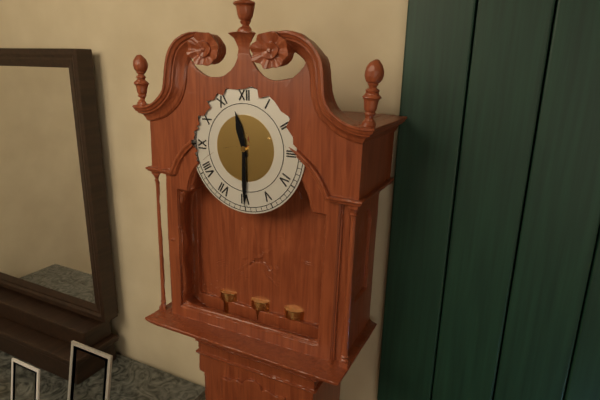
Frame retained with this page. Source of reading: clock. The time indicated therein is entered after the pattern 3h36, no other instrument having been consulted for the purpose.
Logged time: 11h30
